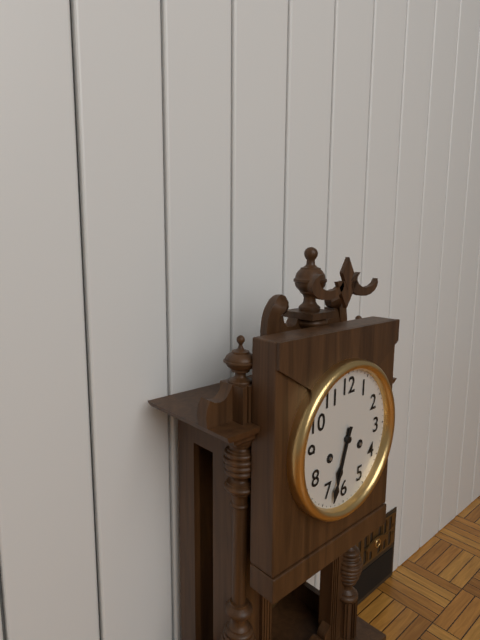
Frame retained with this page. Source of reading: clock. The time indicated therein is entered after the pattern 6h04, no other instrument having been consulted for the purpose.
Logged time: 6h33
